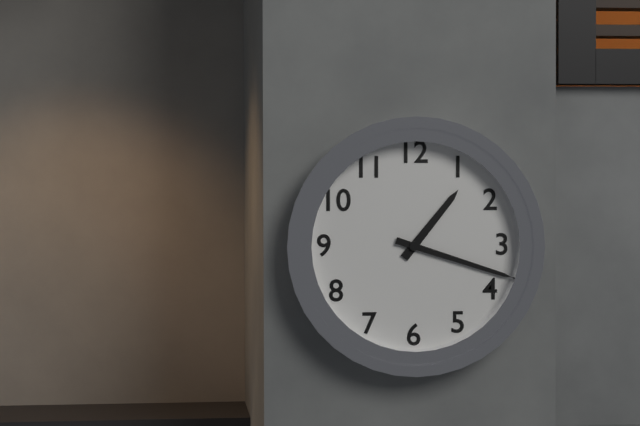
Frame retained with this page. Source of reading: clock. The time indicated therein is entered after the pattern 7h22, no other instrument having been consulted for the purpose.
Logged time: 1h18
